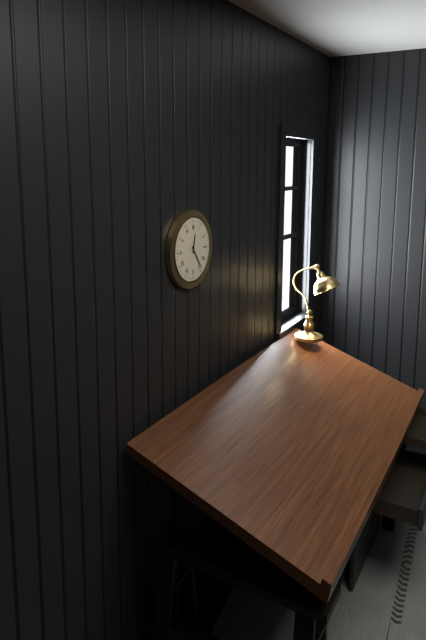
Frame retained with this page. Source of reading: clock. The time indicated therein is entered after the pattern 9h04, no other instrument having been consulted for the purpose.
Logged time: 12h24
